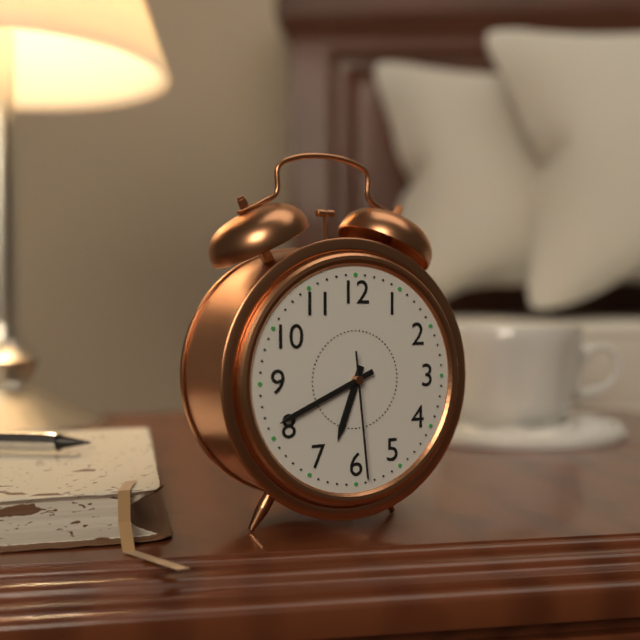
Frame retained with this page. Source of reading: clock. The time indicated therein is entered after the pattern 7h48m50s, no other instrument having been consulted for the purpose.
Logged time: 6h41m29s
